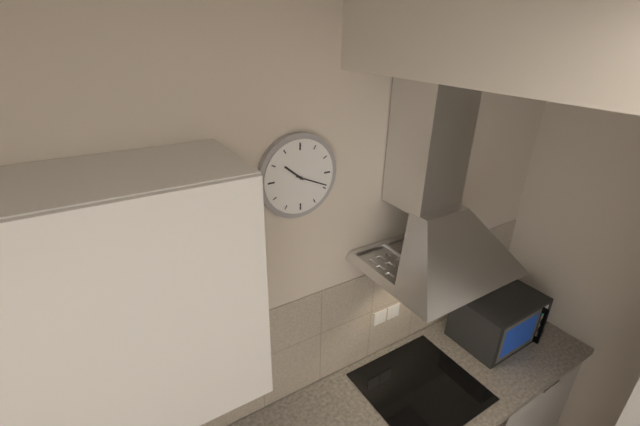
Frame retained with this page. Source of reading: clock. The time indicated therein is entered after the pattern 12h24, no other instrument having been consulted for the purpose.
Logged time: 10h19
